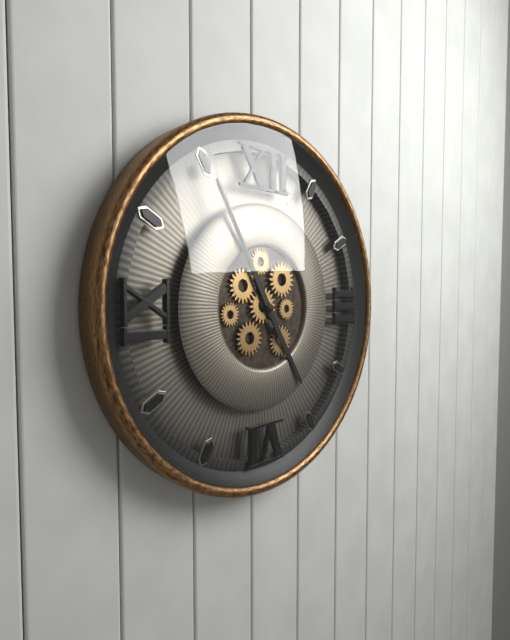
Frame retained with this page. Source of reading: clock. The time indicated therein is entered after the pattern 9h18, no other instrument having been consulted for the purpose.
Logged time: 4h55
